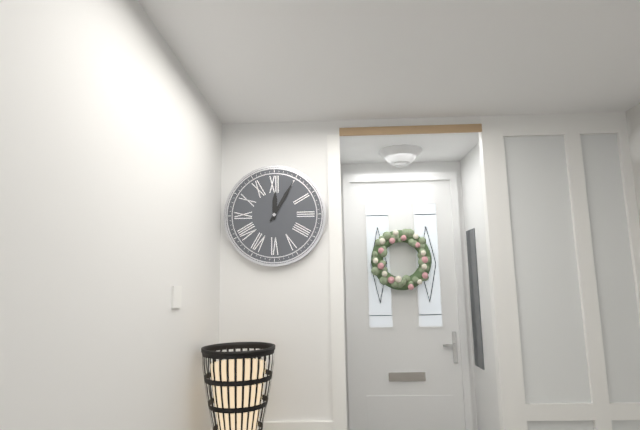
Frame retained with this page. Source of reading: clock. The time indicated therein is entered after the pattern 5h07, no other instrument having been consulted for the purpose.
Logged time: 12h05
